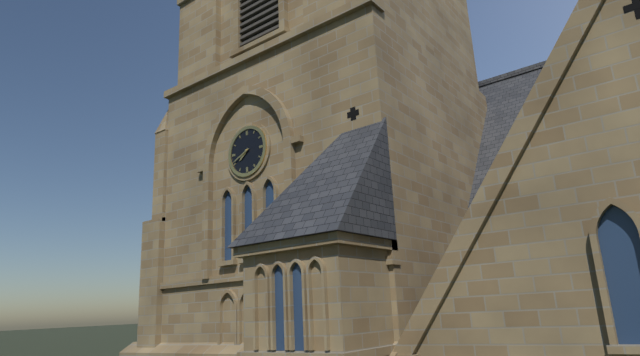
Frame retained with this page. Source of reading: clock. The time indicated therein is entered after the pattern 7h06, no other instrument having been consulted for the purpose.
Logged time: 7h41
